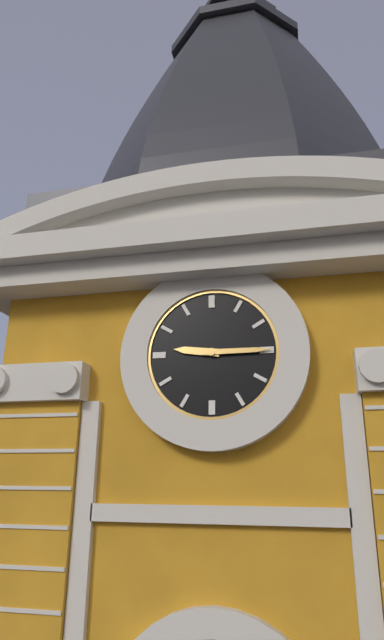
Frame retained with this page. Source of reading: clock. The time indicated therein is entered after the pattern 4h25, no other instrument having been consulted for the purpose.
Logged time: 9h15
